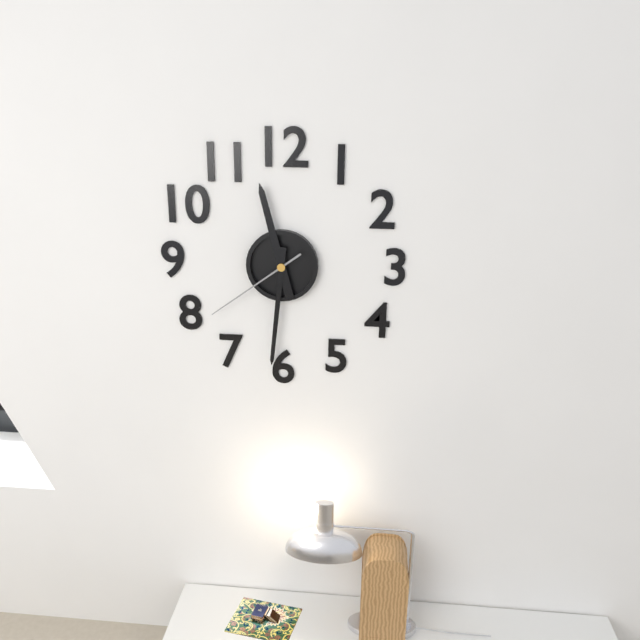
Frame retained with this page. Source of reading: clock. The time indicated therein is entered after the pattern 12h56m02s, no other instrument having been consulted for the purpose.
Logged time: 11h31m39s
